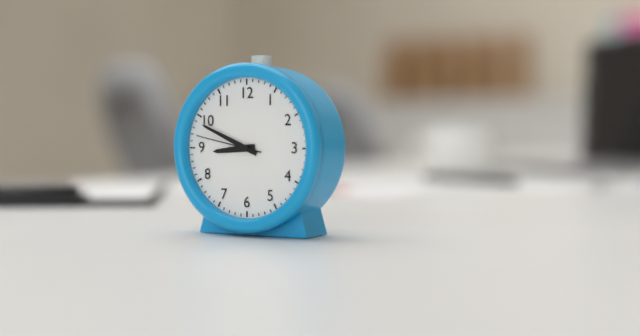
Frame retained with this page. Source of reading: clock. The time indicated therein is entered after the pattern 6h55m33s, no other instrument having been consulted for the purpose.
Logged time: 8h49m47s
